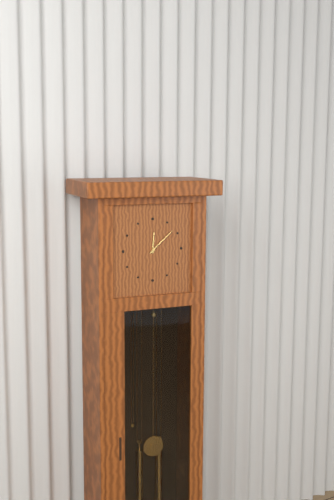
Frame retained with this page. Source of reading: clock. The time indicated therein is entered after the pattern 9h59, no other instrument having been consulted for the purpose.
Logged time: 12h08
